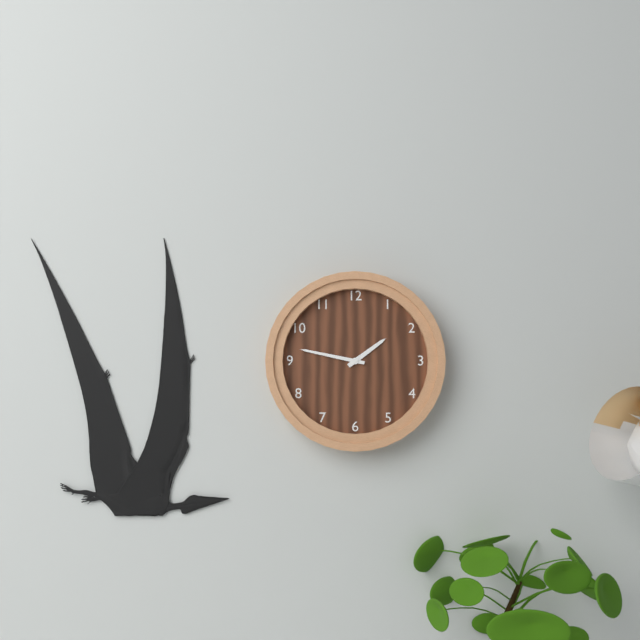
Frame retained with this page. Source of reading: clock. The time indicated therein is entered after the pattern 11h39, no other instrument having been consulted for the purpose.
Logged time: 1h47
